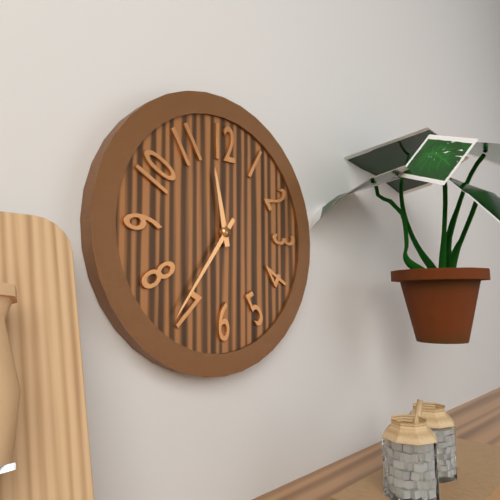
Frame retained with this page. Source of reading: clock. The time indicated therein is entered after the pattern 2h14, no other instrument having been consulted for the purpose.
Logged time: 11h36
